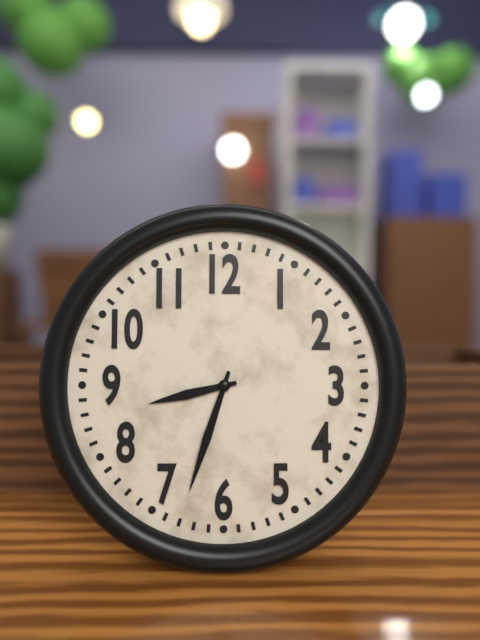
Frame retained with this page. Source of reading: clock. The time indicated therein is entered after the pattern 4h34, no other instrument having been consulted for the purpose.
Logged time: 8h33
